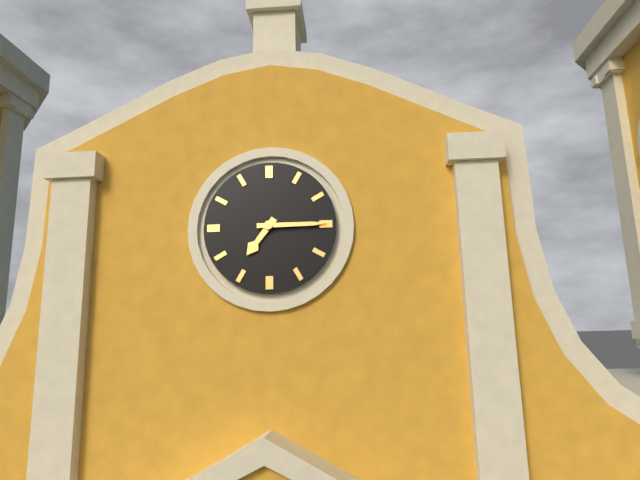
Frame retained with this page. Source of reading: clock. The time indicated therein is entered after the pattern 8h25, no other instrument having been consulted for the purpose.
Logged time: 7h15
